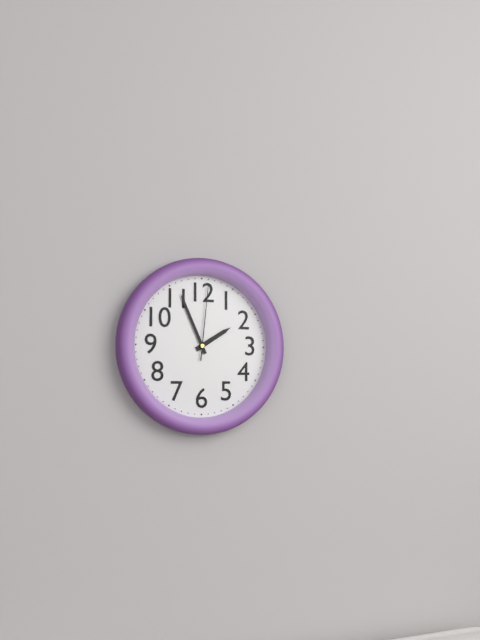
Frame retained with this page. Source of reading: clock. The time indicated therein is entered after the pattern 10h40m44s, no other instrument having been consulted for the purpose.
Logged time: 1h56m01s
